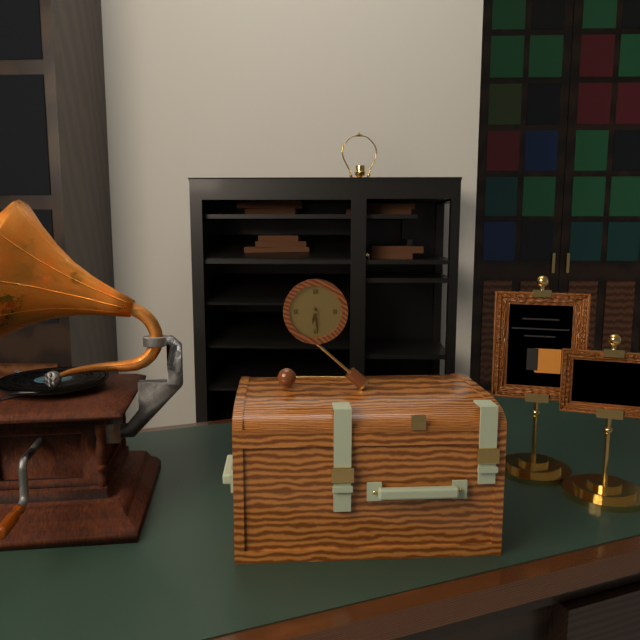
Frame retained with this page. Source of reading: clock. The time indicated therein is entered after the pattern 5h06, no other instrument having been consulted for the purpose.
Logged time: 6h29
